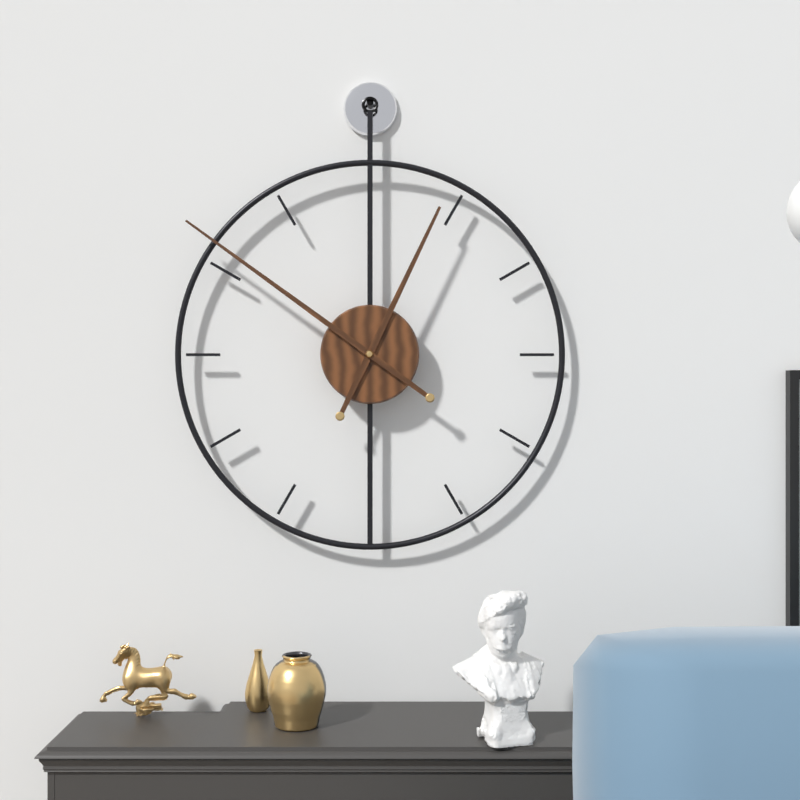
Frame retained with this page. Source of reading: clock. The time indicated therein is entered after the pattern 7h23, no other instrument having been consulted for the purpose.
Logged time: 12h51
